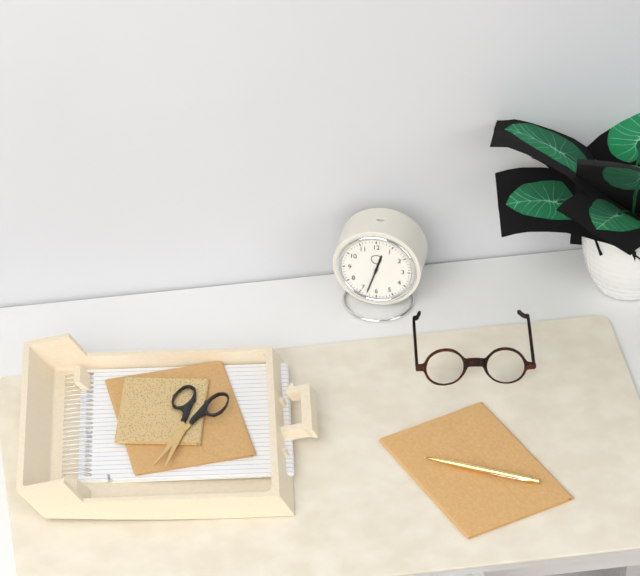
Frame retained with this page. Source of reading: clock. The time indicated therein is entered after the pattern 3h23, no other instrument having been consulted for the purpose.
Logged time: 12h33
